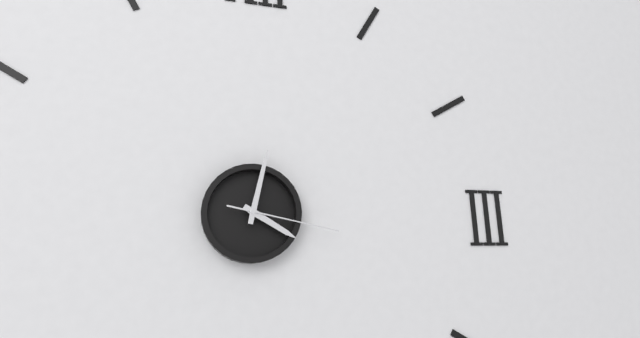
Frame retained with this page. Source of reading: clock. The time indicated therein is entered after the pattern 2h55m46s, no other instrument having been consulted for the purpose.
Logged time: 4h02m17s
